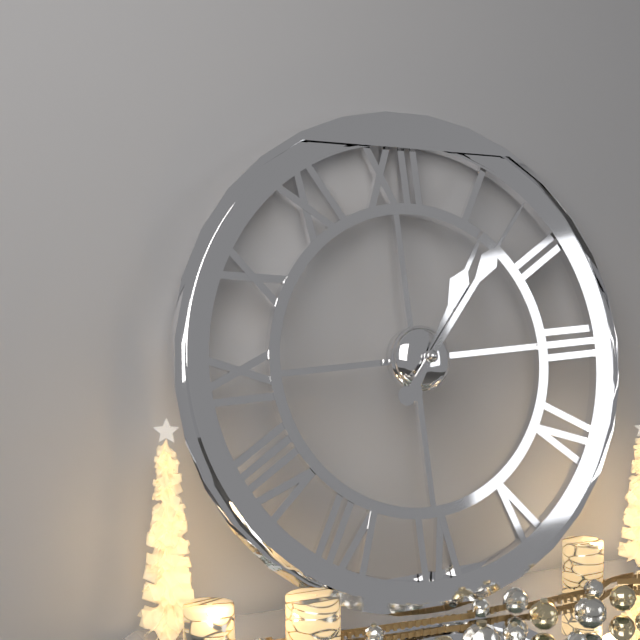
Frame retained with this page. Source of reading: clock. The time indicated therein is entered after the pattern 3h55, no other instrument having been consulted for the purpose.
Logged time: 1h07
